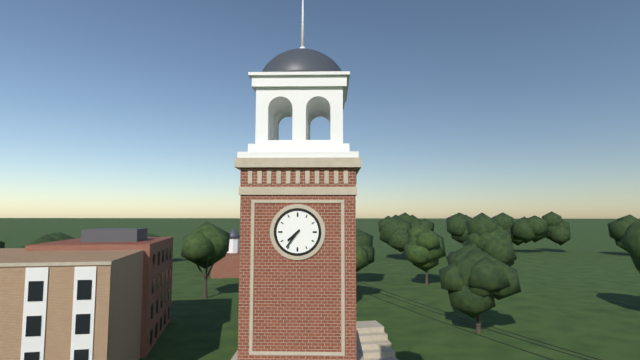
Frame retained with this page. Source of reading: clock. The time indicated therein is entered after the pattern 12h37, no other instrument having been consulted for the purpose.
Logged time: 7h36
